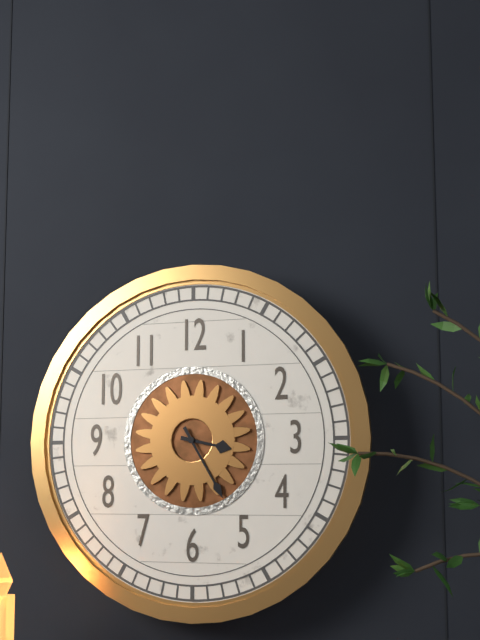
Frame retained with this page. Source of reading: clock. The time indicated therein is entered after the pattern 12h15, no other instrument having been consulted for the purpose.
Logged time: 3h25
